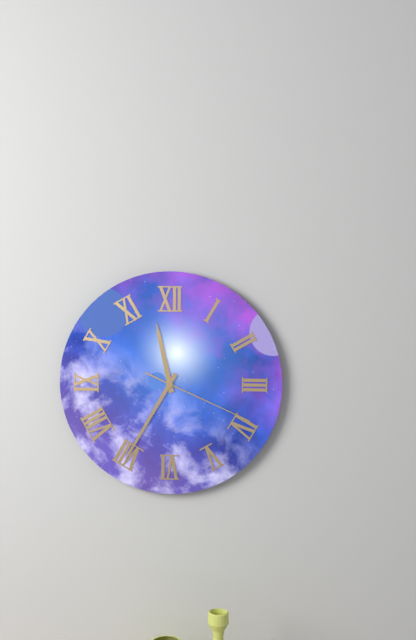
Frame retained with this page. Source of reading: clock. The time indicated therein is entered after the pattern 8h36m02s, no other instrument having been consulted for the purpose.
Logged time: 11h35m19s
